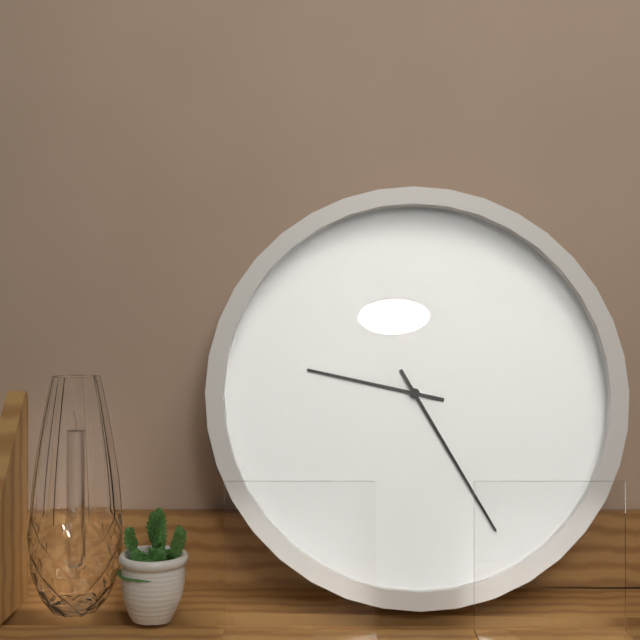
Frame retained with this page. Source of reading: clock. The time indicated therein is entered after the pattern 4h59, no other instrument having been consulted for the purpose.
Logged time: 9h25
